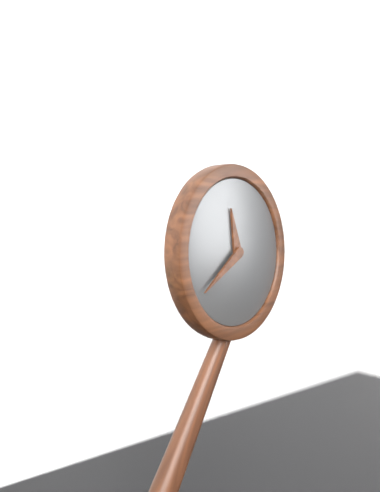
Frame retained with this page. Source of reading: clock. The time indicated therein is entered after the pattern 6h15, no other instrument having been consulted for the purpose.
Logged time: 11h40
